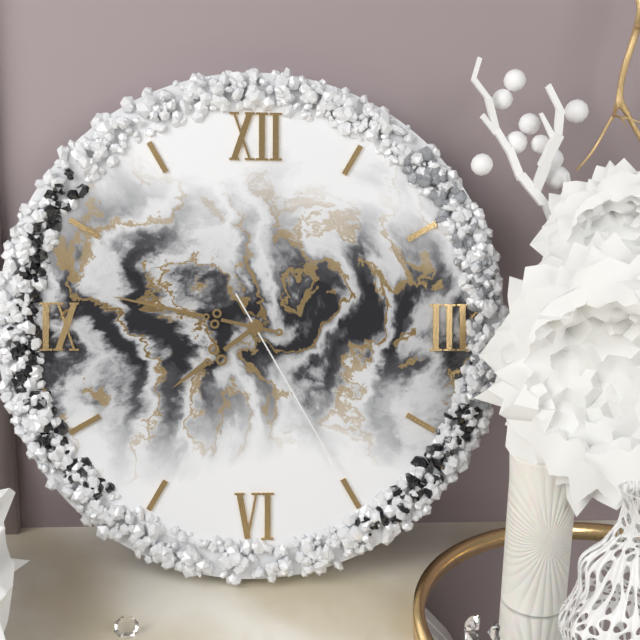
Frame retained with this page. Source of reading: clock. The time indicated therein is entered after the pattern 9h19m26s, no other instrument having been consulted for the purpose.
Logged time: 7h47m25s
